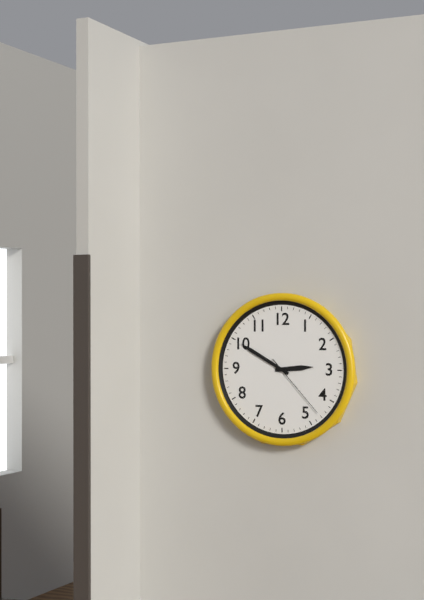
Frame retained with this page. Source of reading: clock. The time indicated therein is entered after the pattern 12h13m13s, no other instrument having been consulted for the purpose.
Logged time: 2h50m23s
